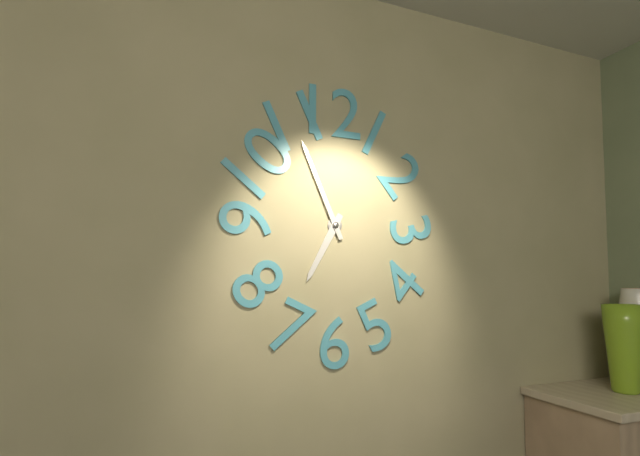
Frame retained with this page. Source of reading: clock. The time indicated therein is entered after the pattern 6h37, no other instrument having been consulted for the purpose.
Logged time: 6h56
